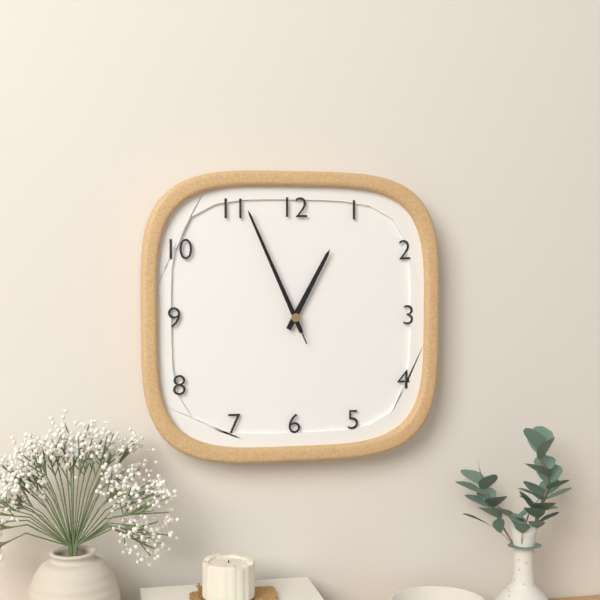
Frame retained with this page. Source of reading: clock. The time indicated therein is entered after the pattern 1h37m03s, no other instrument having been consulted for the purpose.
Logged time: 12h56m56s
